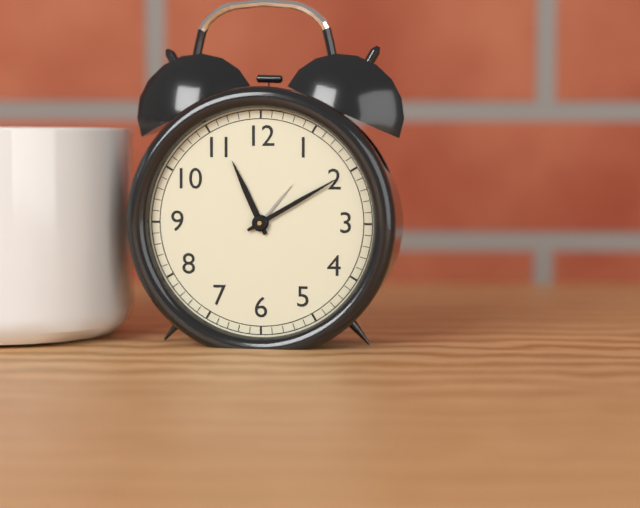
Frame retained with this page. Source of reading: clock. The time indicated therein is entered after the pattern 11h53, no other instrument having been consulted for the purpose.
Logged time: 11h10
